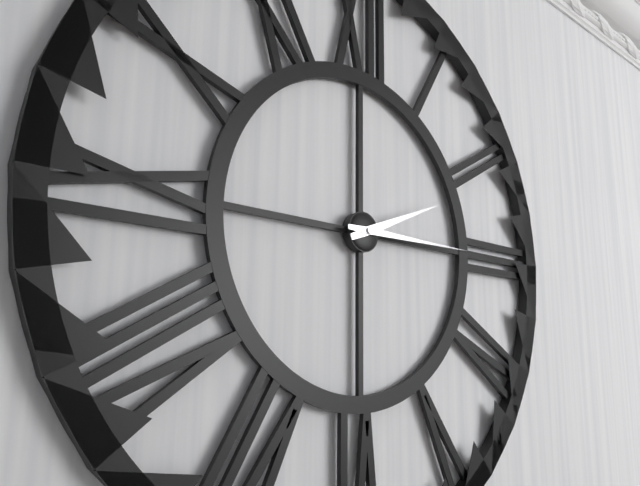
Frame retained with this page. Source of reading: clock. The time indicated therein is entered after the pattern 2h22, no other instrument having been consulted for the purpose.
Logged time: 2h15
